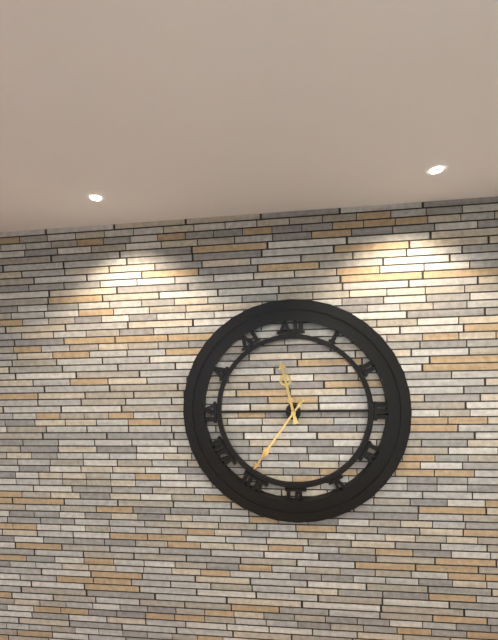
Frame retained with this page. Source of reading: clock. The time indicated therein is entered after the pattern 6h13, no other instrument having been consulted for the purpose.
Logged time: 11h36
